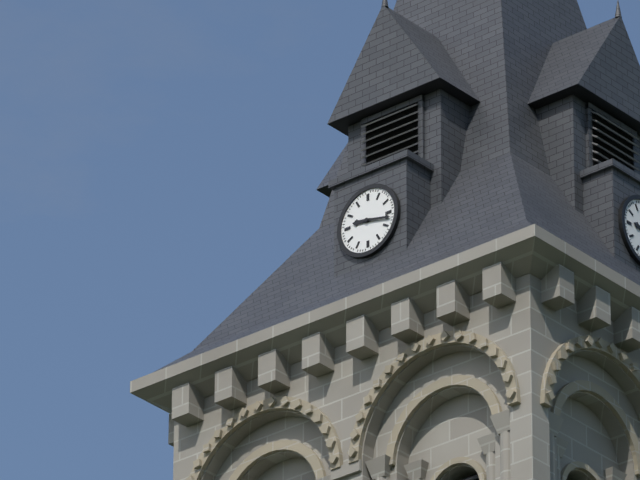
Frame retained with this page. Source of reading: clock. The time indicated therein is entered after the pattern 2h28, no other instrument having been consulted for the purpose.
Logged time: 9h17
